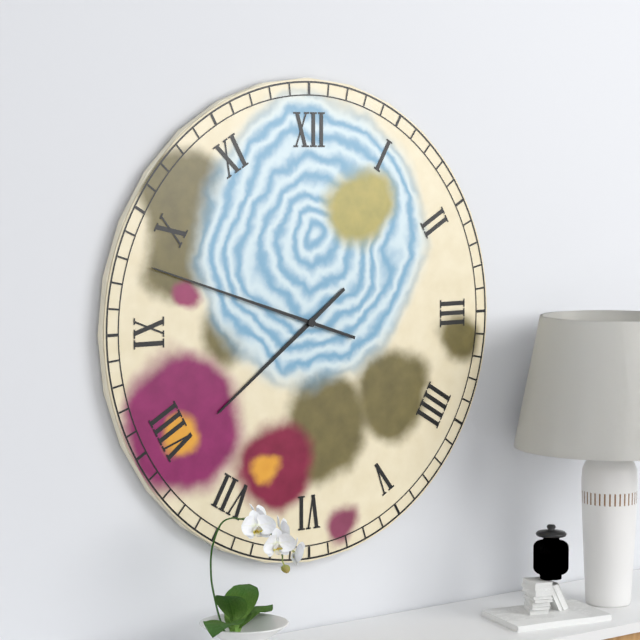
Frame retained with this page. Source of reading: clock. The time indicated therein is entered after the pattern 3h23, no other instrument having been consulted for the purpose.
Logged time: 7h48
